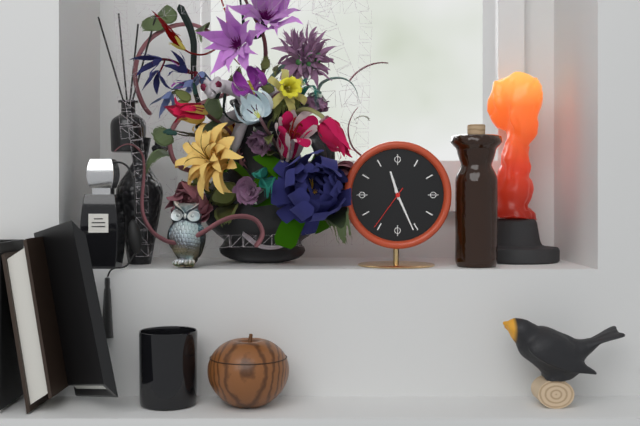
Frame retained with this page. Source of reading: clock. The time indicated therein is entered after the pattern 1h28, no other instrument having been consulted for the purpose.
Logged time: 11h26
